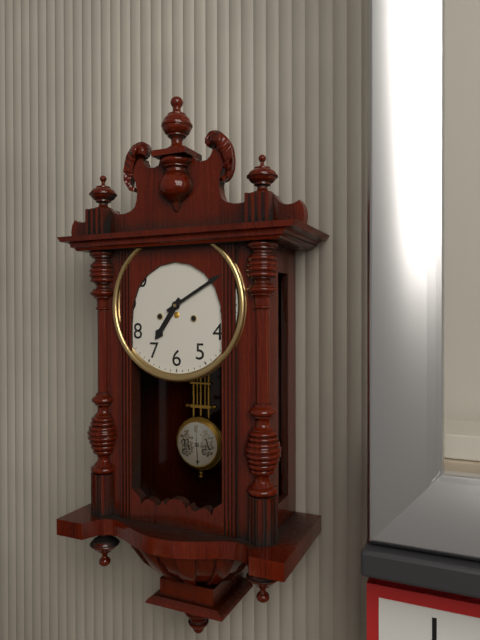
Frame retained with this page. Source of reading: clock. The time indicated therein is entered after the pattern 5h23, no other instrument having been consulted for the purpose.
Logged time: 7h10
